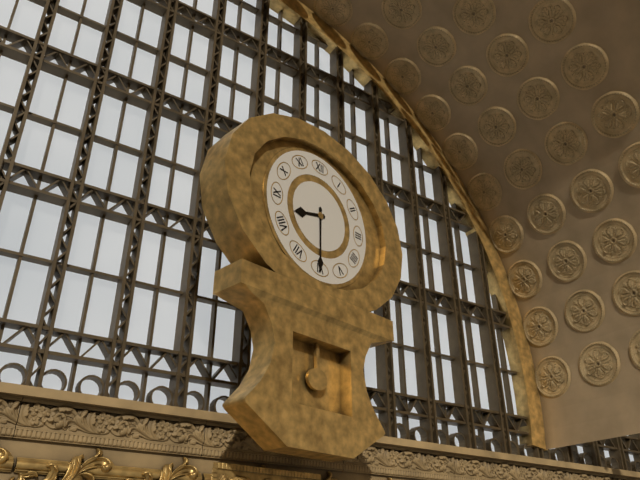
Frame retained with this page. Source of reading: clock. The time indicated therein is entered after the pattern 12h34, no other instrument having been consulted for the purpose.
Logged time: 8h30
